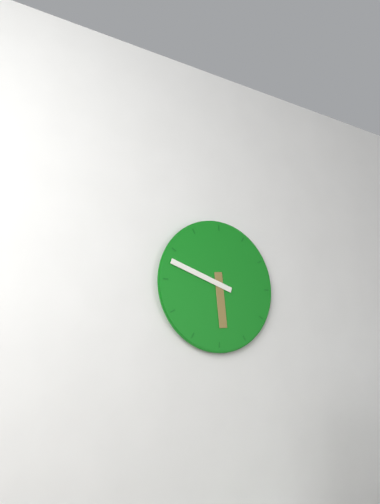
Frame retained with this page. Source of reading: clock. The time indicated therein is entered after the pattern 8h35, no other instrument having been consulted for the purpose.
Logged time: 5h48
